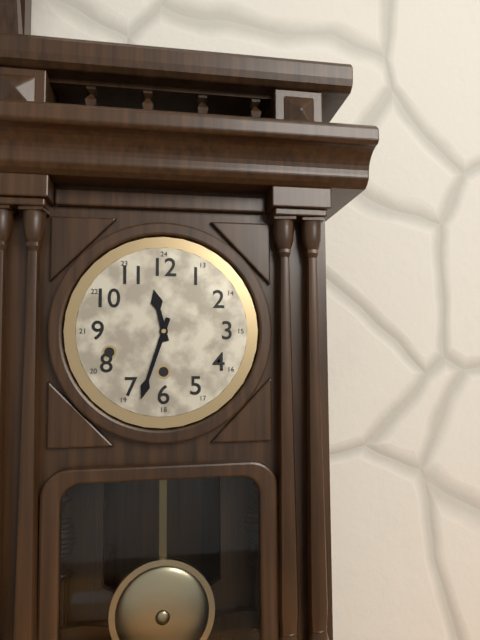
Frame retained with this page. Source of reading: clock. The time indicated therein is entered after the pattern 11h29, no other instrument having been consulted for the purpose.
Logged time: 11h33
